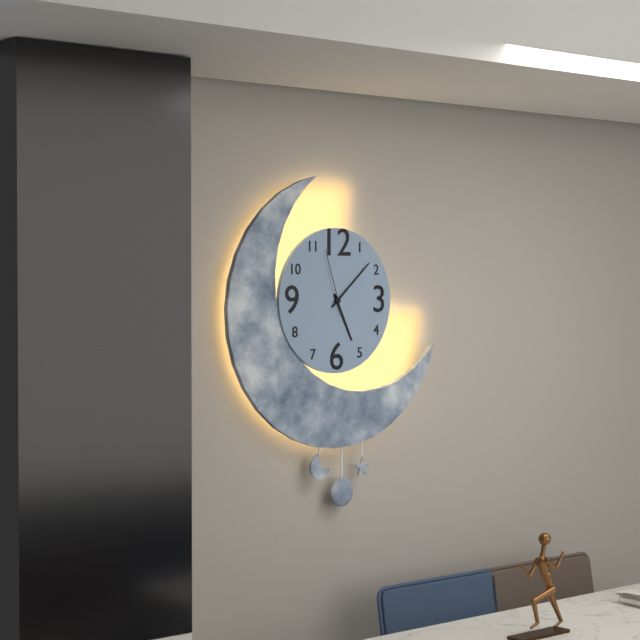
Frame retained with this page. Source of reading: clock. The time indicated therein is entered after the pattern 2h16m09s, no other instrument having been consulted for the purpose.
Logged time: 5h08m57s
